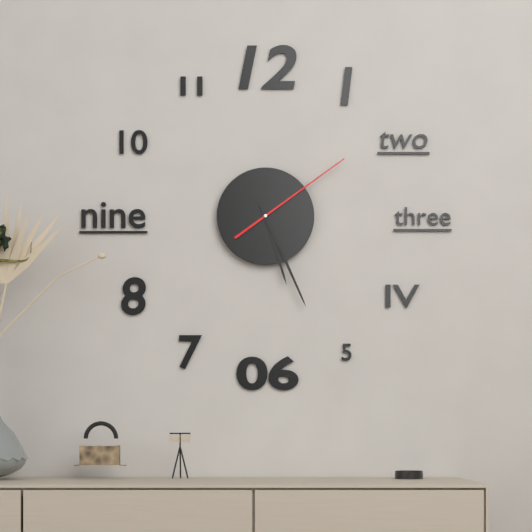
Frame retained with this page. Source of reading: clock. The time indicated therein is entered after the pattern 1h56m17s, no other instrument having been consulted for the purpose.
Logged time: 5h26m09s
